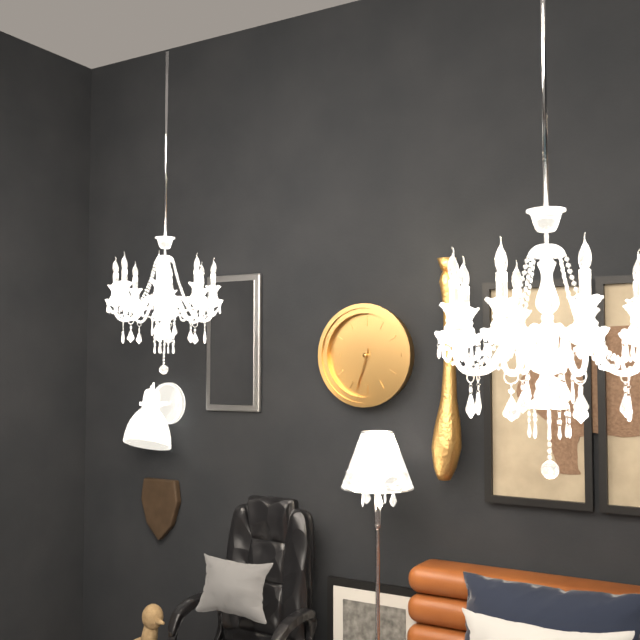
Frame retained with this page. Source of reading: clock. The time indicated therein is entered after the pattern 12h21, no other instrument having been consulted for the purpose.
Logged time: 6h33
